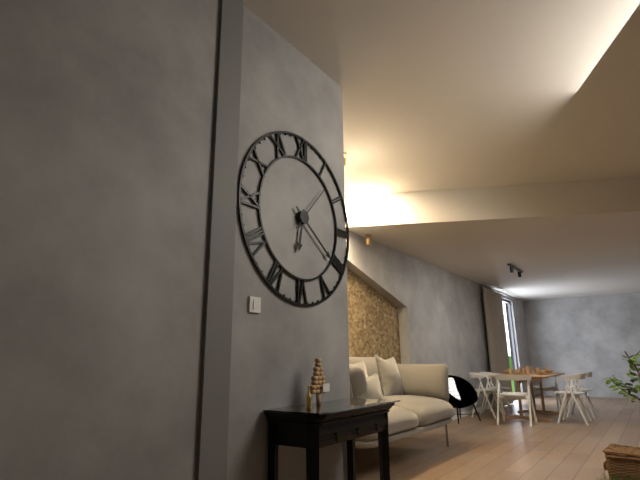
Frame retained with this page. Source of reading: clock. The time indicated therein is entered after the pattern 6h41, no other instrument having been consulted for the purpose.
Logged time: 6h21
